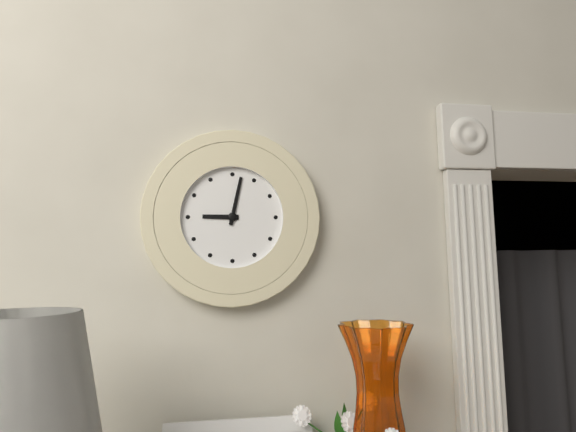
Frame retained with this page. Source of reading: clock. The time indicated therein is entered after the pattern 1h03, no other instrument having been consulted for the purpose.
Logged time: 9h02
